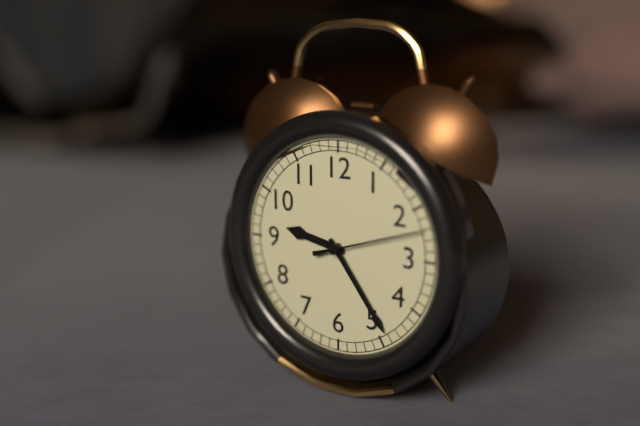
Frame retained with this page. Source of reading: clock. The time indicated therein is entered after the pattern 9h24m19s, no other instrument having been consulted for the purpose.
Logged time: 9h24m12s
